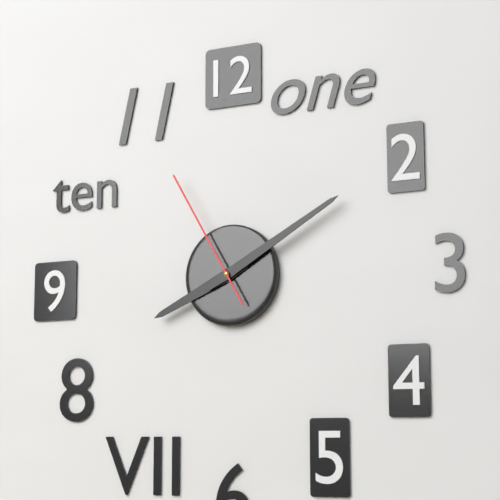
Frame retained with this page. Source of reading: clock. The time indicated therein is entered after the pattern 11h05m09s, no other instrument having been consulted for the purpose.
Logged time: 8h10m55s
